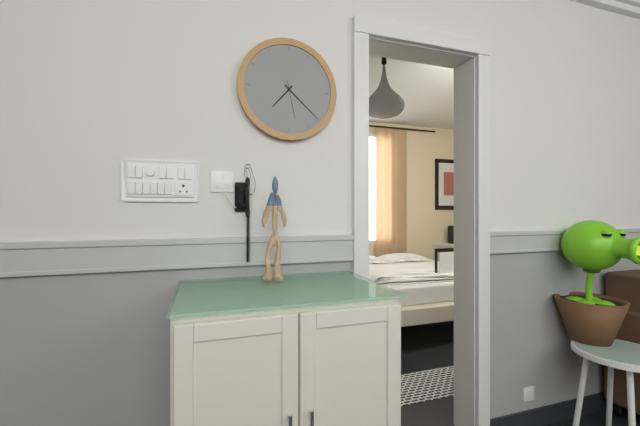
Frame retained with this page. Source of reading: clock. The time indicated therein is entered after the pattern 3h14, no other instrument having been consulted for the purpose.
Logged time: 7h22
